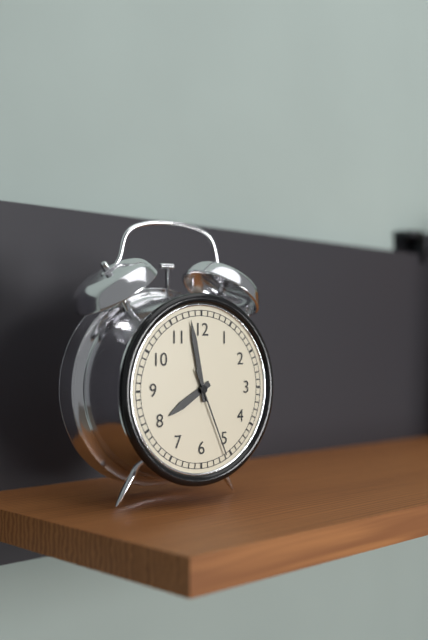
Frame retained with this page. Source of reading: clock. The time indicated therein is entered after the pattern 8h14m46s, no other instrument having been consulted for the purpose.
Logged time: 7h58m26s
